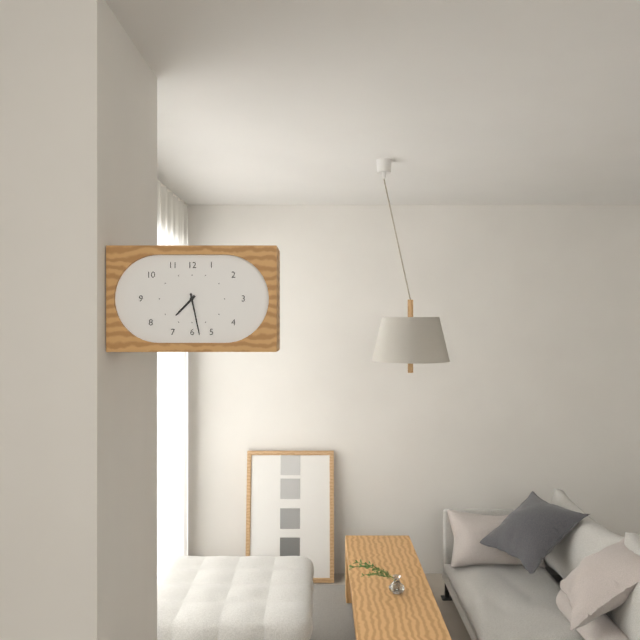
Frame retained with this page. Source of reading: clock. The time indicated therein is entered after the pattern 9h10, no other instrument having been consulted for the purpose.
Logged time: 7h28
